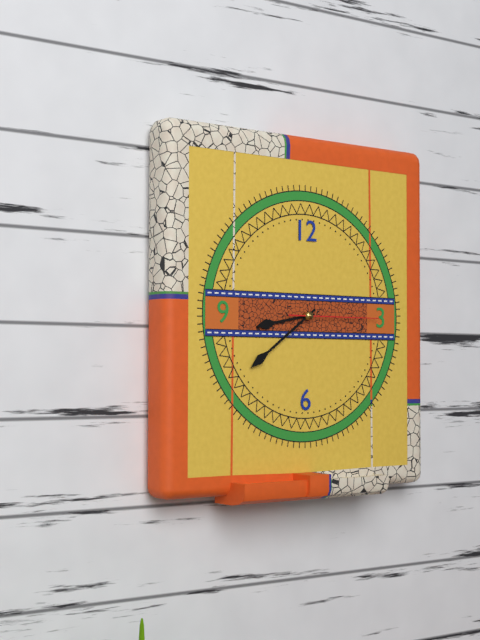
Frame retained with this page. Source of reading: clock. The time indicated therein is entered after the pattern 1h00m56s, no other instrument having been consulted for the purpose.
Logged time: 8h39m15s
